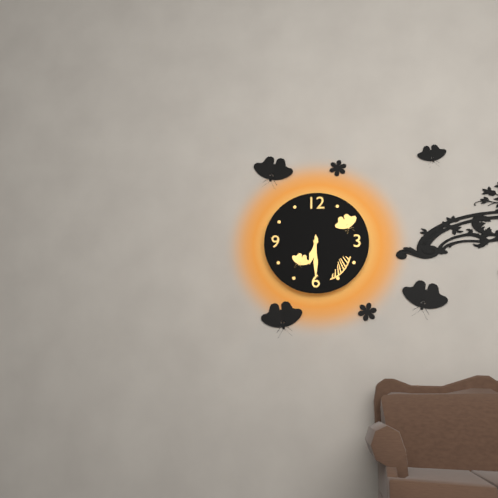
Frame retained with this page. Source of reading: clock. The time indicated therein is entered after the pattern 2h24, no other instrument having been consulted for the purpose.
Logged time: 6h30
